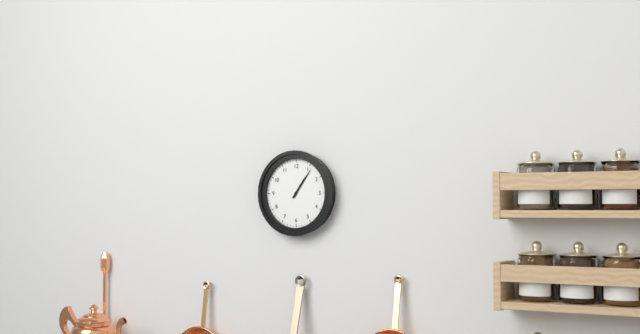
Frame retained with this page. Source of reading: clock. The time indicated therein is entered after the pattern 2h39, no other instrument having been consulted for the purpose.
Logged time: 1h06
